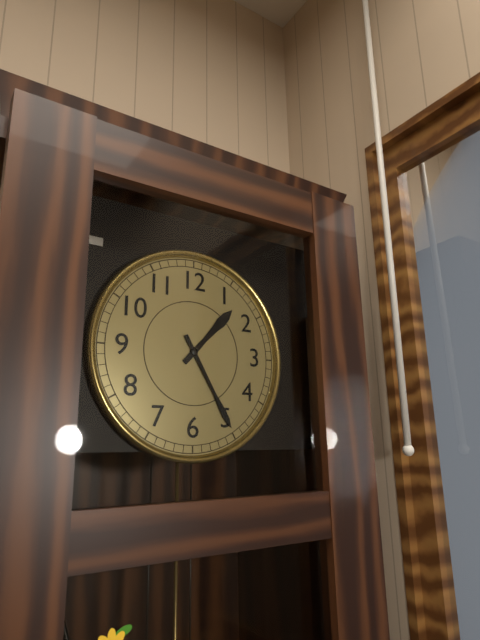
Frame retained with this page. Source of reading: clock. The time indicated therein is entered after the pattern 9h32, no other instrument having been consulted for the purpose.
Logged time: 1h25
